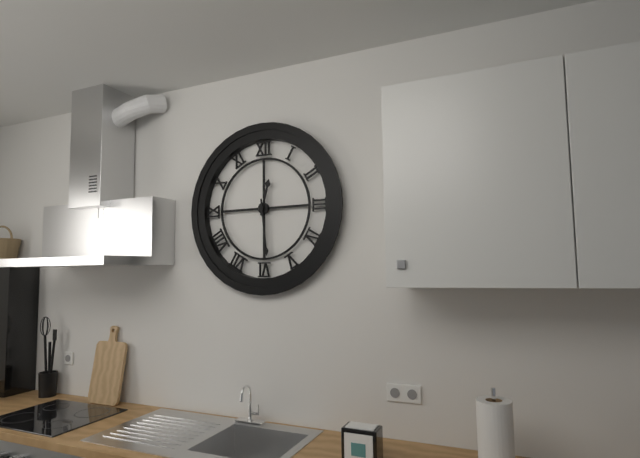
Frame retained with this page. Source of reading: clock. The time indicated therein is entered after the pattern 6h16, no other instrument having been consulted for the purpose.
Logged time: 12h29
